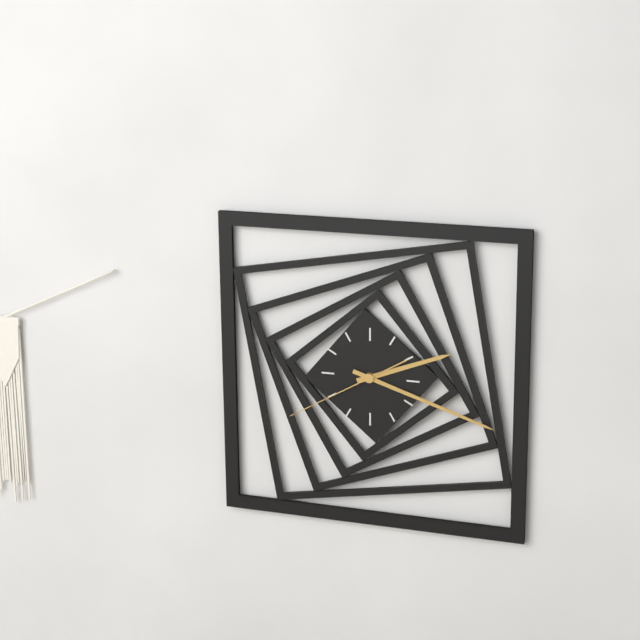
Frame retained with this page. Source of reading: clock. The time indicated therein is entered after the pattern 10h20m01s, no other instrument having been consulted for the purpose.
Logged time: 2h18m40s
